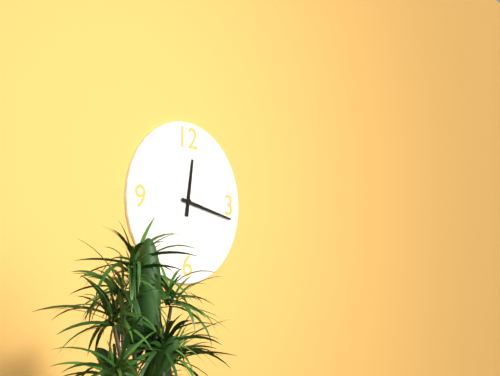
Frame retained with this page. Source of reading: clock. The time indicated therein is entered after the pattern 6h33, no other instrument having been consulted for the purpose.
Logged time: 12h17
